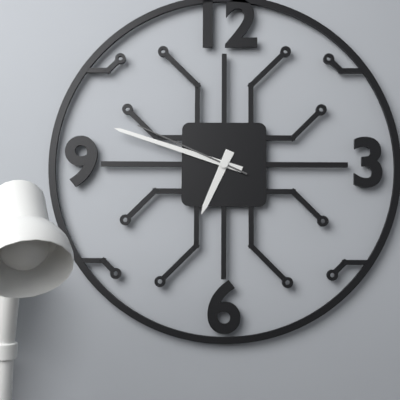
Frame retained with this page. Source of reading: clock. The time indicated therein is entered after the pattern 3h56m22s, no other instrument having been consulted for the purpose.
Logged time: 6h48m49s
